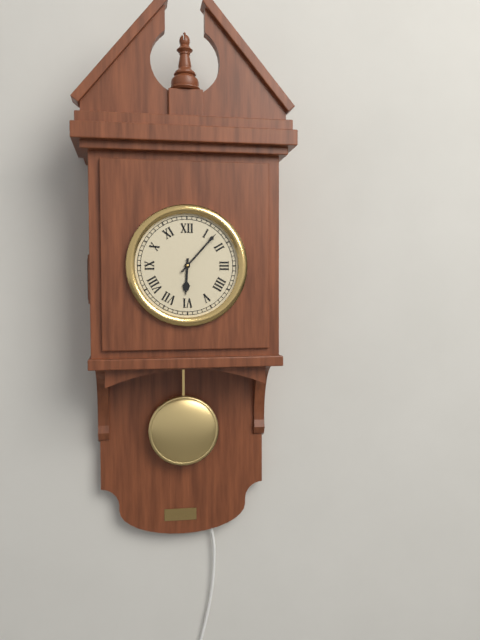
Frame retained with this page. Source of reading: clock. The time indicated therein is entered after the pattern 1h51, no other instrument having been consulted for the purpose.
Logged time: 6h07
